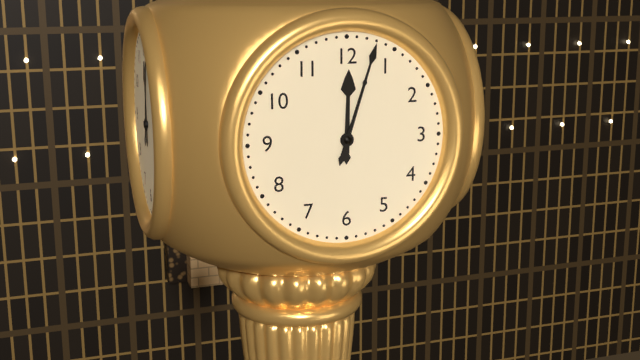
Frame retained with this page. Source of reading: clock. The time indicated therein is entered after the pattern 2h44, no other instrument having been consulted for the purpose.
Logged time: 12h03
